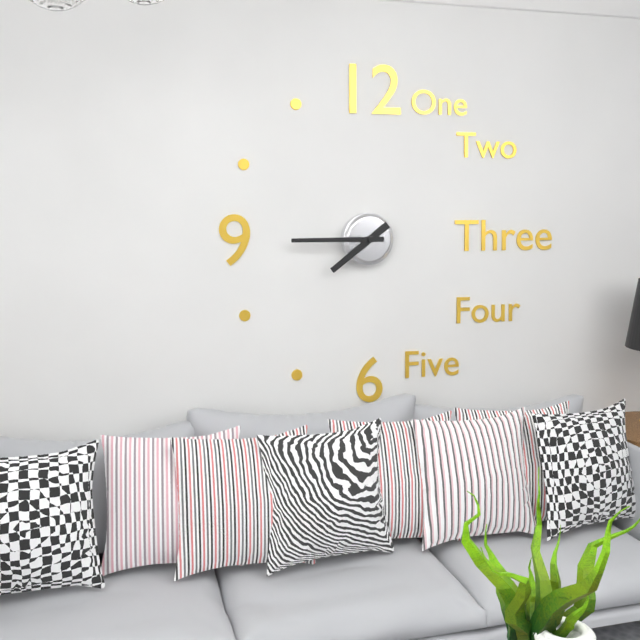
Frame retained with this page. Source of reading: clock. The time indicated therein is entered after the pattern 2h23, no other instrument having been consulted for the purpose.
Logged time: 7h45
